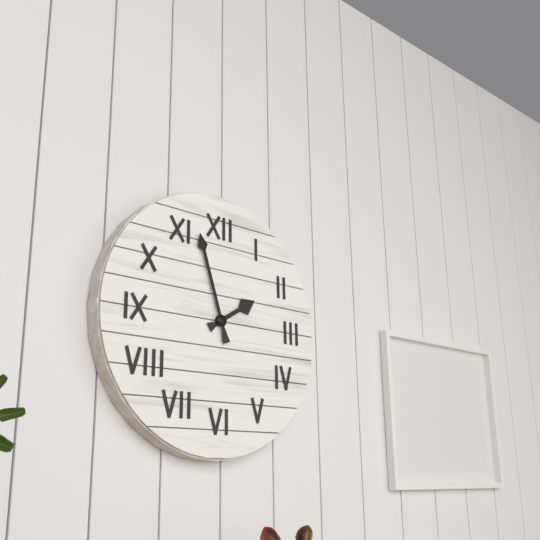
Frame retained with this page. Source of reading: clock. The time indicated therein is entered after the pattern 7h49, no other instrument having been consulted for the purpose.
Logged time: 1h57
